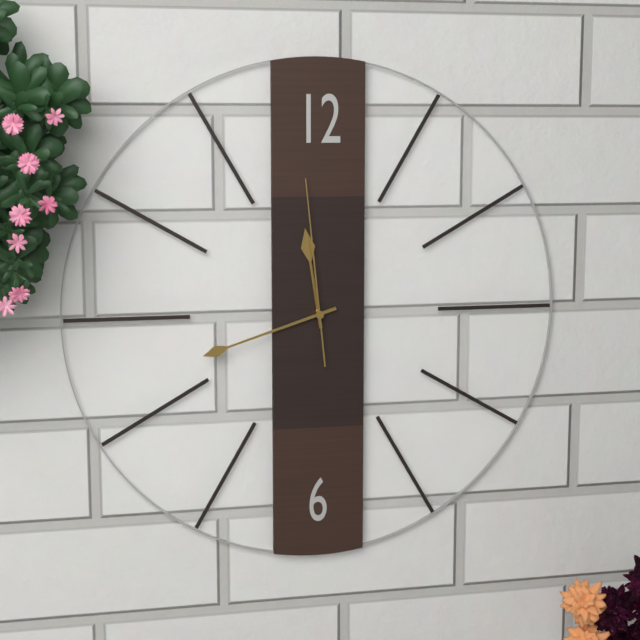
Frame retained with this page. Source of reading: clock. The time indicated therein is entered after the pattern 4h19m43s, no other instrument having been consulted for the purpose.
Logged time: 11h42m59s
